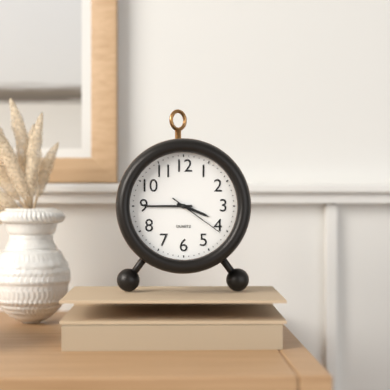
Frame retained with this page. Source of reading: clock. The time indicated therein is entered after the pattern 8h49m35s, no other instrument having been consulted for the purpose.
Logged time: 3h45m21s
